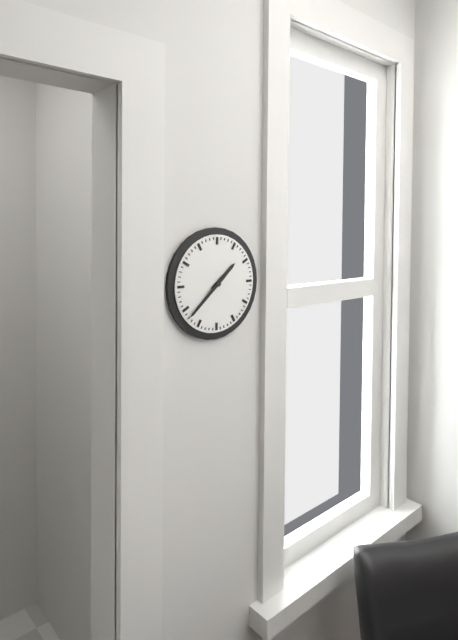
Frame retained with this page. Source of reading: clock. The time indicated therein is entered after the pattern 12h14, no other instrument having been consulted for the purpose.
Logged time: 1h38
